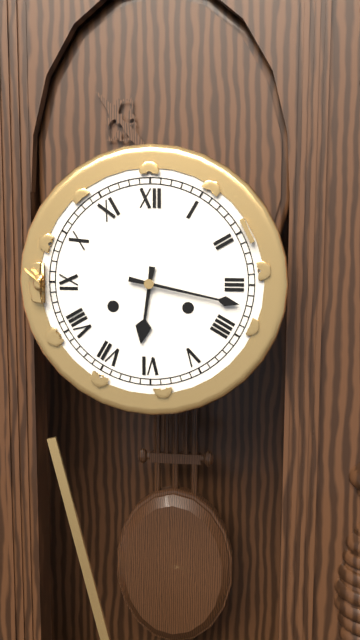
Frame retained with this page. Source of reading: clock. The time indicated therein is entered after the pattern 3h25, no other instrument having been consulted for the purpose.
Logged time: 6h17
